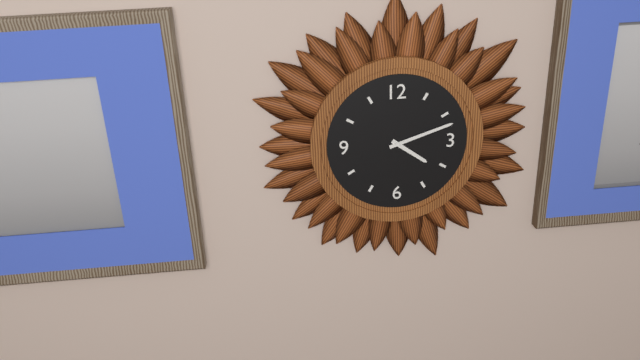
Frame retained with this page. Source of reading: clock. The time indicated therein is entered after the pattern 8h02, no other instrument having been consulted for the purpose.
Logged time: 4h12
